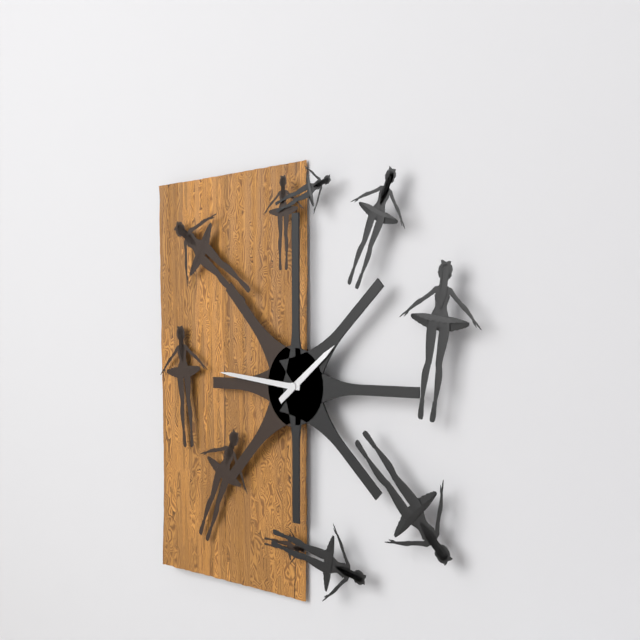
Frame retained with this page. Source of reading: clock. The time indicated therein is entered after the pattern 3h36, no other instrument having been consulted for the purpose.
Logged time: 1h46
